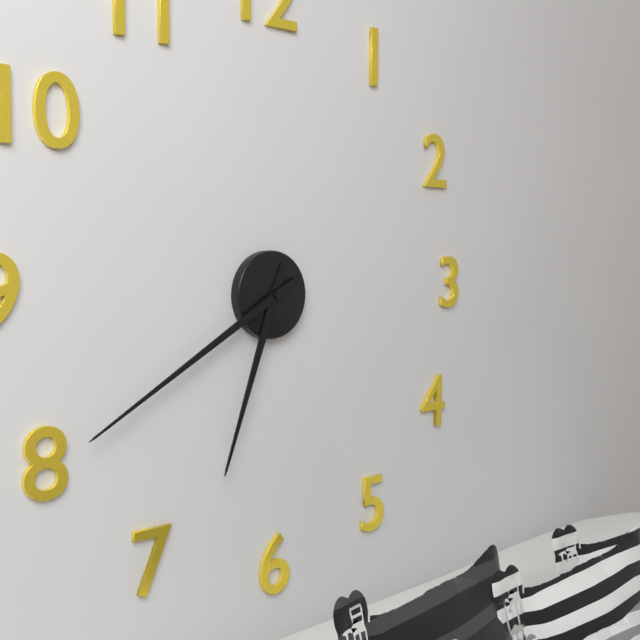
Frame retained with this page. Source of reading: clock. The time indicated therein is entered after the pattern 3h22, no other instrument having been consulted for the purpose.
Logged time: 6h40
